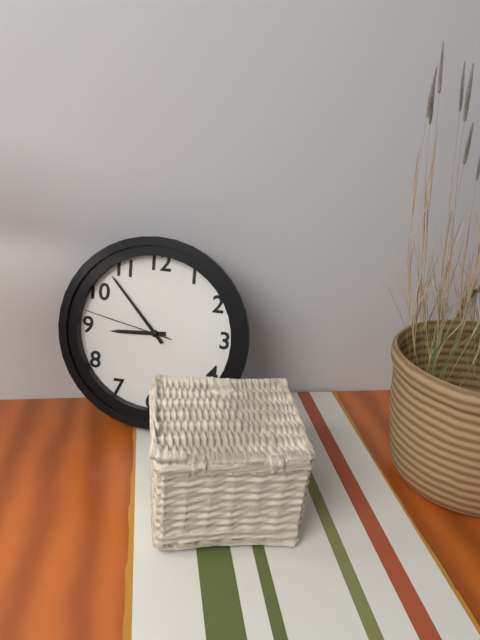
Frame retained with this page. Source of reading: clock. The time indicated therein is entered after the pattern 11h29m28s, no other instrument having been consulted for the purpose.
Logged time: 8h53m47s
